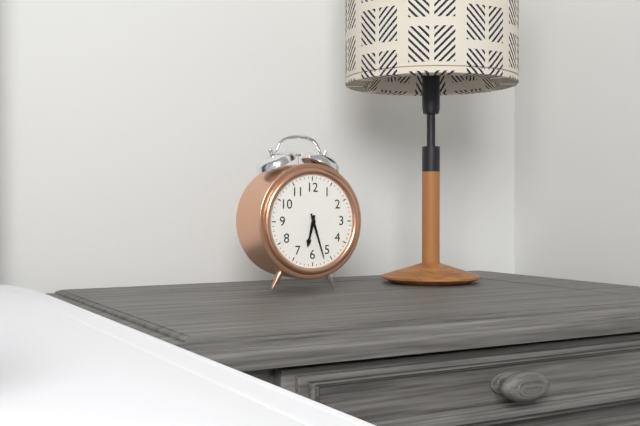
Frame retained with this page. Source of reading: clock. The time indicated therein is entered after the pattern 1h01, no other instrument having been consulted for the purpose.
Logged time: 6h27
